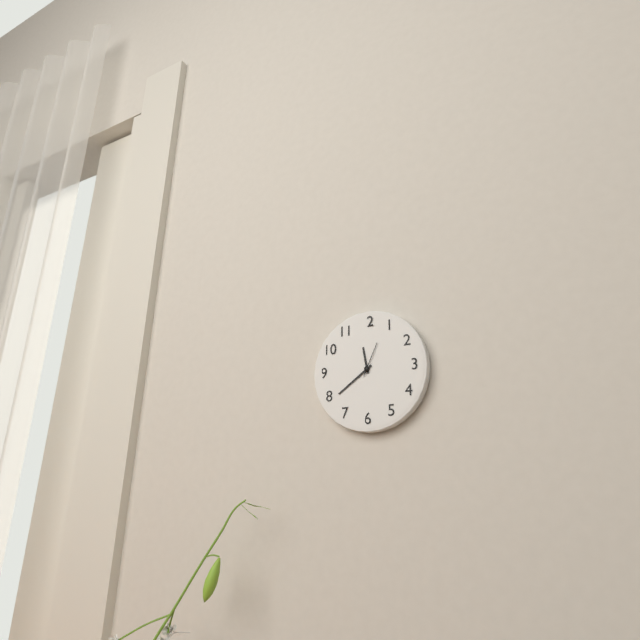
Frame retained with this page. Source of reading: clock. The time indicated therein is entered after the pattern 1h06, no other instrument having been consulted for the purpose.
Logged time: 11h39
